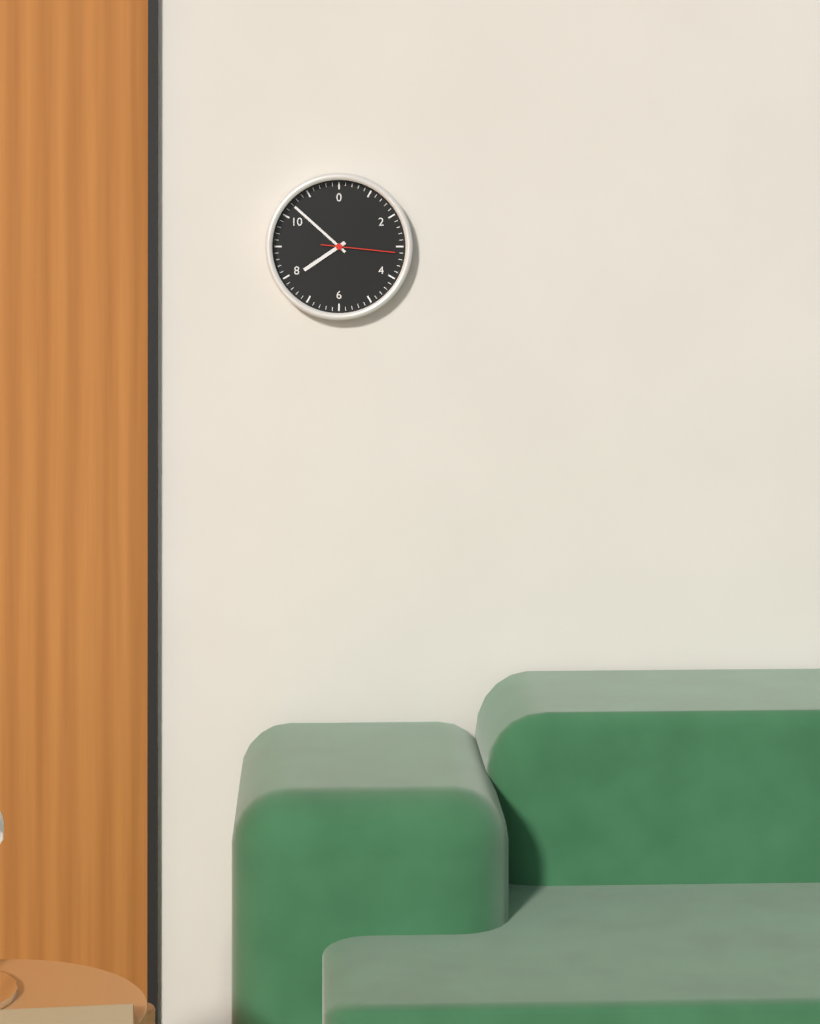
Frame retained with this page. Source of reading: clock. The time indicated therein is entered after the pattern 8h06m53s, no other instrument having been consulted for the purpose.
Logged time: 7h52m16s
